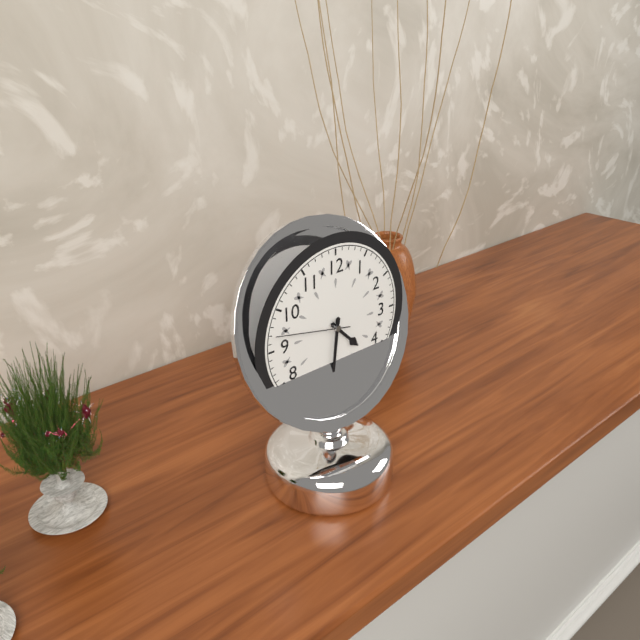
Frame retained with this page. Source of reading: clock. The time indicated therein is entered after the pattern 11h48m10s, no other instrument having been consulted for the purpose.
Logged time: 4h31m47s
